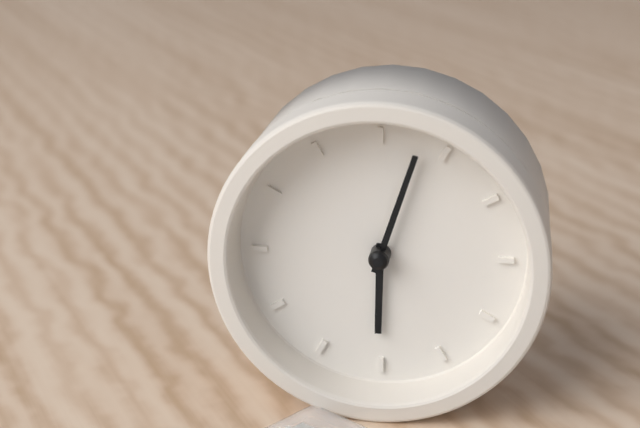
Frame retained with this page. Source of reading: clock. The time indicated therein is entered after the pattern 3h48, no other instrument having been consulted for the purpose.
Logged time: 6h03
